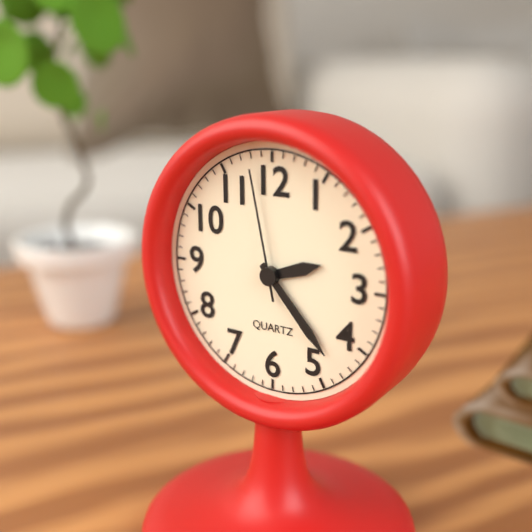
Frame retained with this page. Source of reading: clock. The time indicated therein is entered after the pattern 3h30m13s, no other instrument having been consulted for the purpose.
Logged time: 2h23m58s
